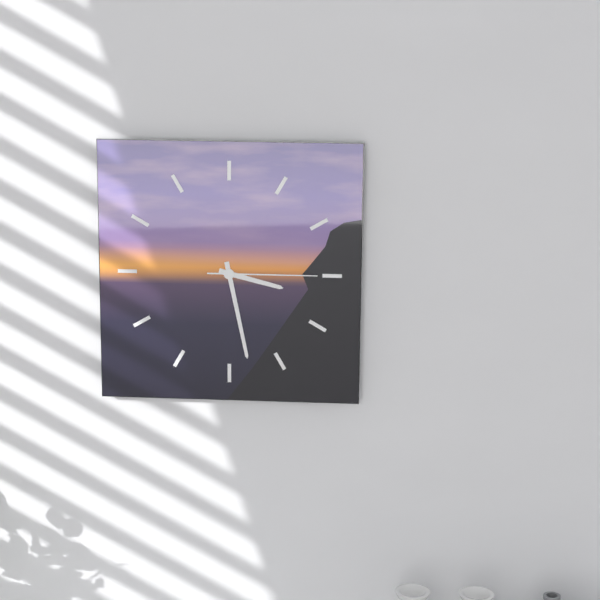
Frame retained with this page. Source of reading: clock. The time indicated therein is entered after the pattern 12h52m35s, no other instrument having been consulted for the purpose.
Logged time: 3h28m15s
